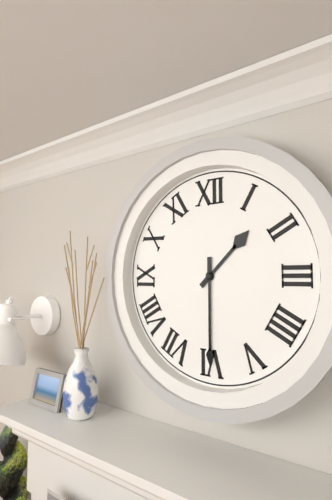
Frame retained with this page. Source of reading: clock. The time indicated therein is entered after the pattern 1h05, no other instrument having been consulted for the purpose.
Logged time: 1h30
